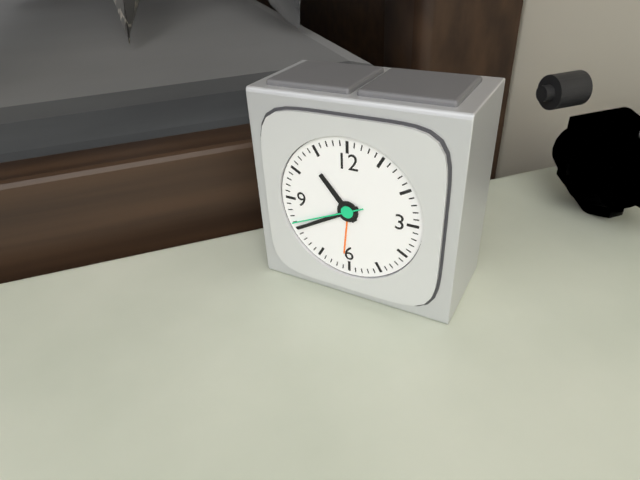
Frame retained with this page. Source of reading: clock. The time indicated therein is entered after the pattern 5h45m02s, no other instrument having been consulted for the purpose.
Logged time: 10h40m41s
